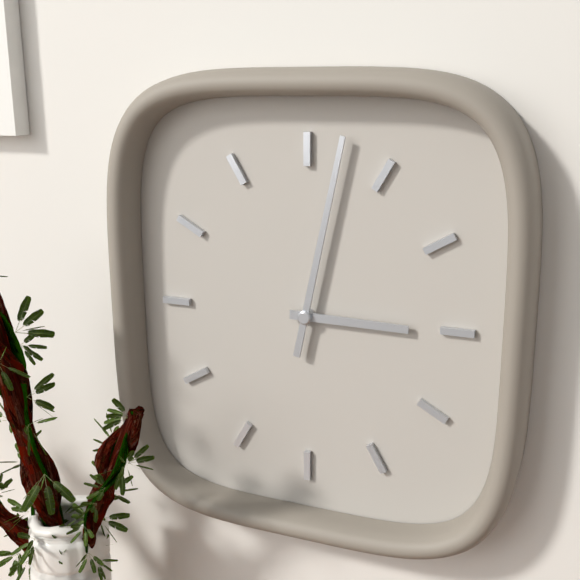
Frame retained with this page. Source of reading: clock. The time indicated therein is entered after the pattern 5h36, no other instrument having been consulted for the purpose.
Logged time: 3h02
